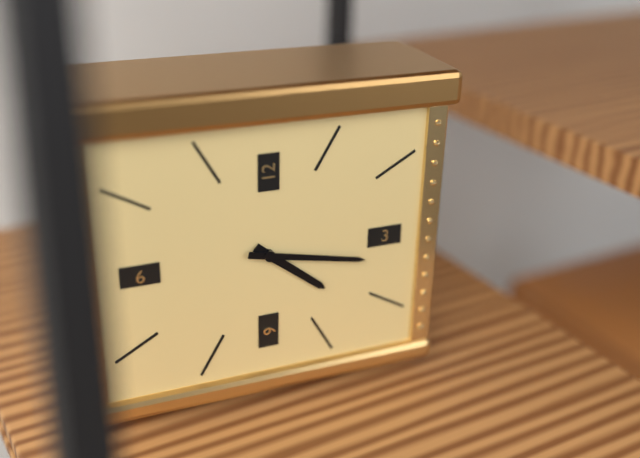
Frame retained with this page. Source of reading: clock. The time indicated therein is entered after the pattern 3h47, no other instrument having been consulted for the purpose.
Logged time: 4h17
